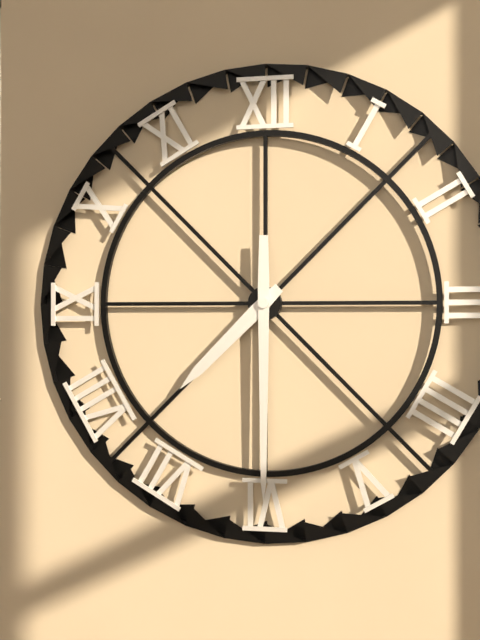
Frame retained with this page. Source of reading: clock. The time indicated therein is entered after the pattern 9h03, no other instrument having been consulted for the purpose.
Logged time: 7h30
